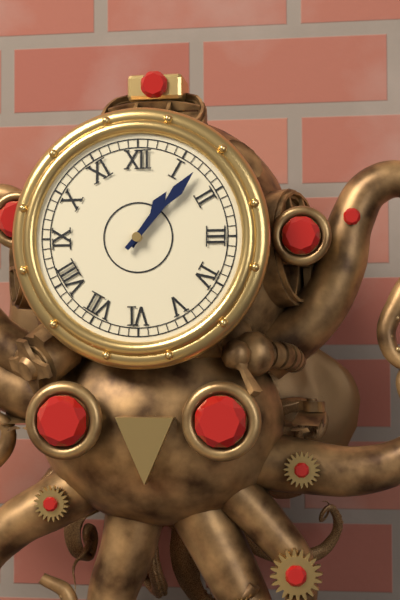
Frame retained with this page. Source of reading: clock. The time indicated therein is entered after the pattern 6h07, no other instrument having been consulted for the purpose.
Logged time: 1h07
